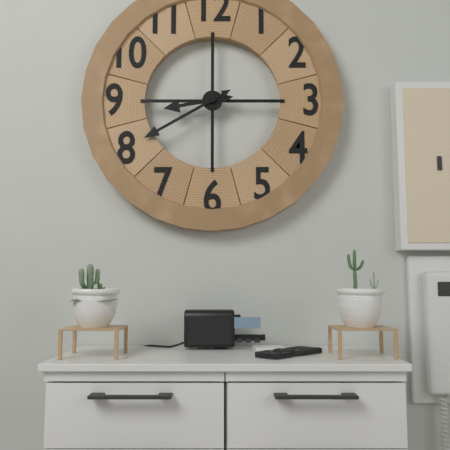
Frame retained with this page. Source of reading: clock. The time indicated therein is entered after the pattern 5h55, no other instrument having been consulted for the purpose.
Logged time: 8h40
